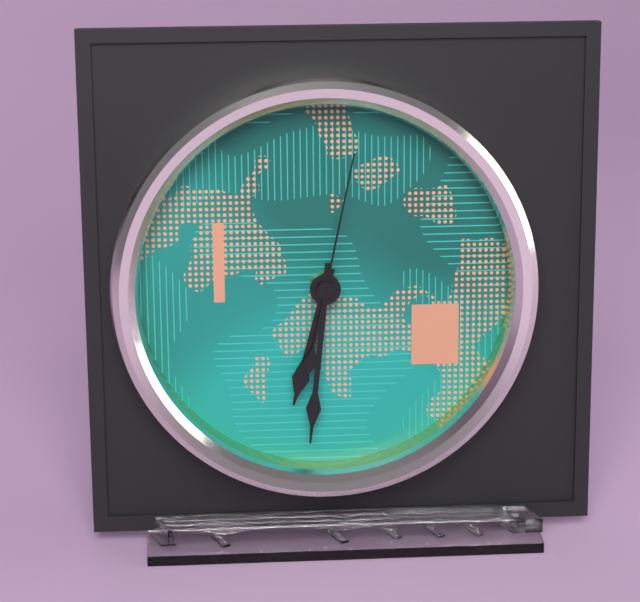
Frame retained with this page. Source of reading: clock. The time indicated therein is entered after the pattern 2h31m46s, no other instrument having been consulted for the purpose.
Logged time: 6h31m02s
